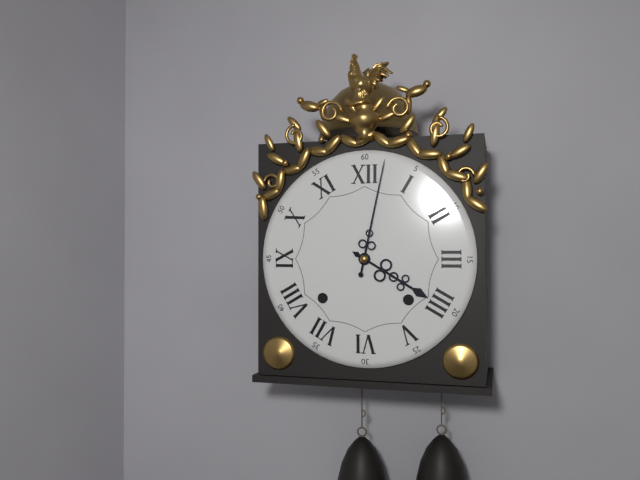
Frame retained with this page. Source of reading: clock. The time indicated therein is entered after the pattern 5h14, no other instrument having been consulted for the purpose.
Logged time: 4h02
